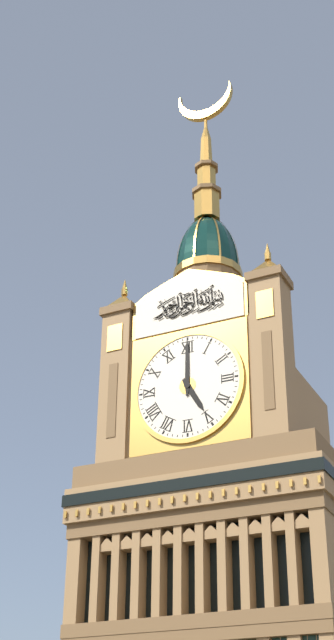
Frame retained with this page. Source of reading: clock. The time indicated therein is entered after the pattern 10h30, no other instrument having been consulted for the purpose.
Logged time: 5h00
